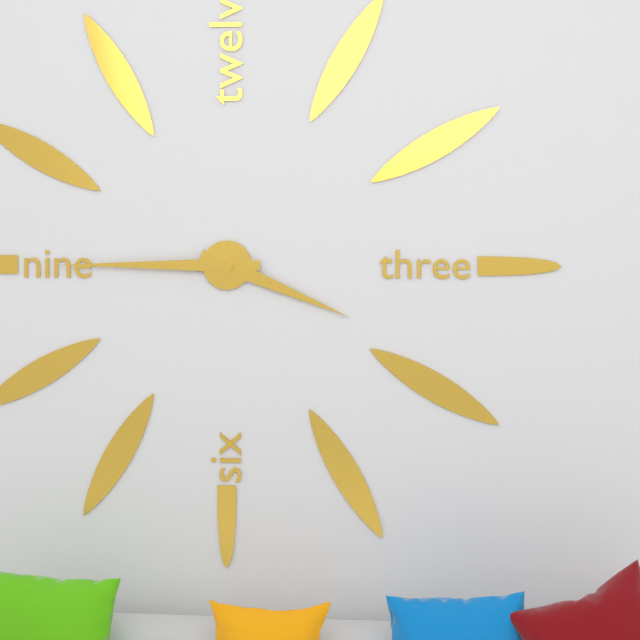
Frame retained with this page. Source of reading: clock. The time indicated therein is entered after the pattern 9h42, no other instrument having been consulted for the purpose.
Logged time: 3h45
